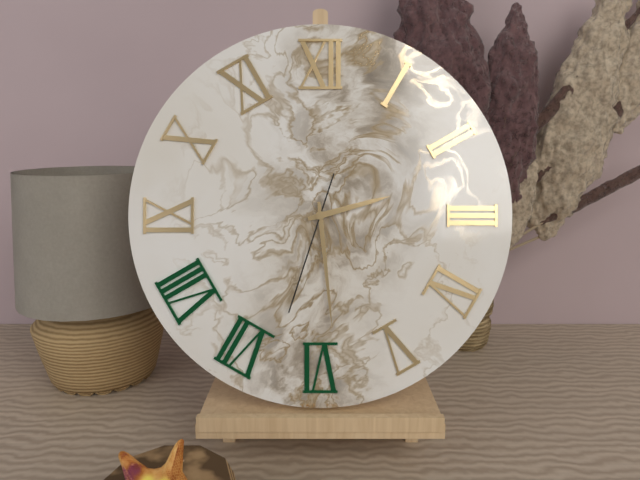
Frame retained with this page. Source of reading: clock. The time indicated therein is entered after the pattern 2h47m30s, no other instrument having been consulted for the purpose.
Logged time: 2h29m33s
